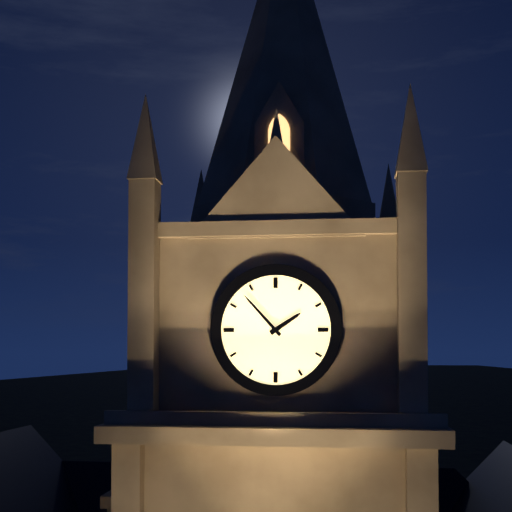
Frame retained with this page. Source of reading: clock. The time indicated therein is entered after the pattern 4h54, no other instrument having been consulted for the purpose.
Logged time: 1h53
